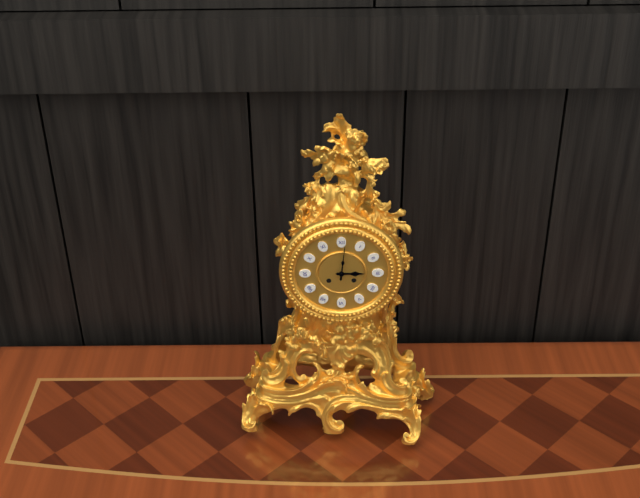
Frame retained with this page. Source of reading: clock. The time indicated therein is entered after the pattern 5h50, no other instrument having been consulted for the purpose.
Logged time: 3h01
